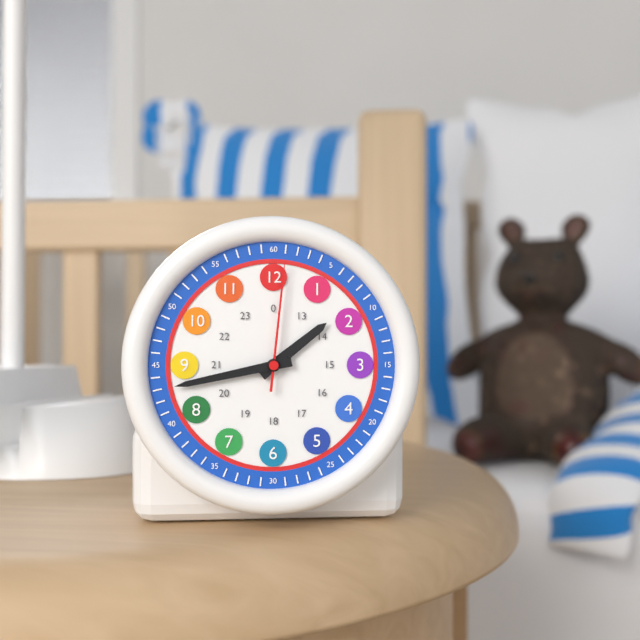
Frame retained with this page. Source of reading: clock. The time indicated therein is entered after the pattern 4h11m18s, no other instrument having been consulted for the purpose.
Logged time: 1h43m01s
